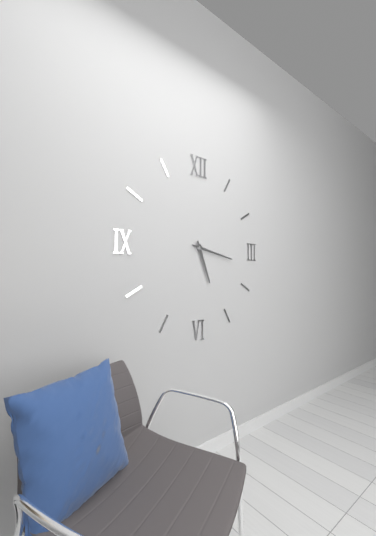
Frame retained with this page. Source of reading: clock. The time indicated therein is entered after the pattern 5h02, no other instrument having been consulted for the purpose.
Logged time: 5h17
